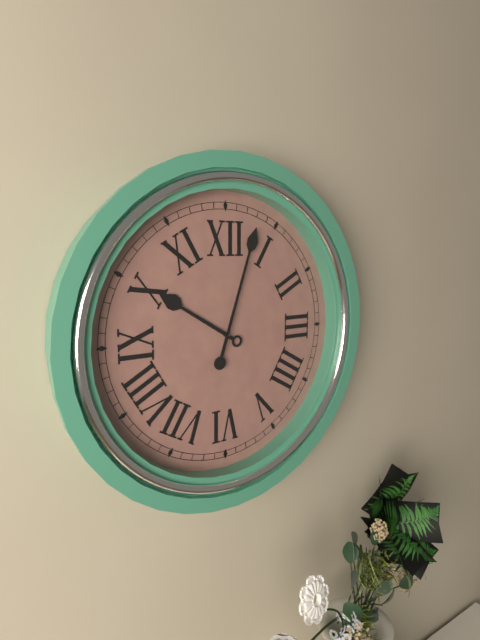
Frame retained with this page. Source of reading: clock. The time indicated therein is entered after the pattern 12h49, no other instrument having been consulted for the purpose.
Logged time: 10h03
